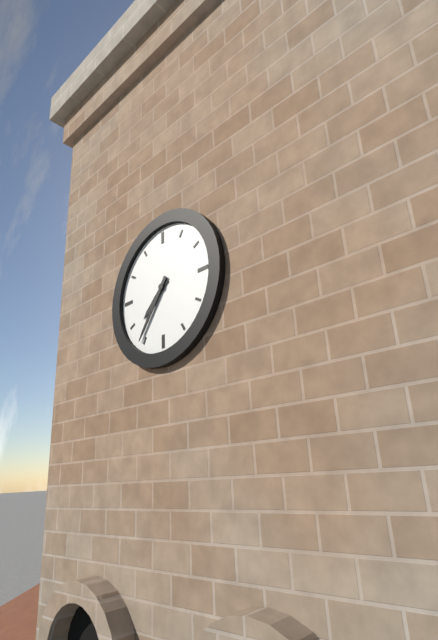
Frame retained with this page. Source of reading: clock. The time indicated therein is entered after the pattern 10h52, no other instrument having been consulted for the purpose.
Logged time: 7h36
